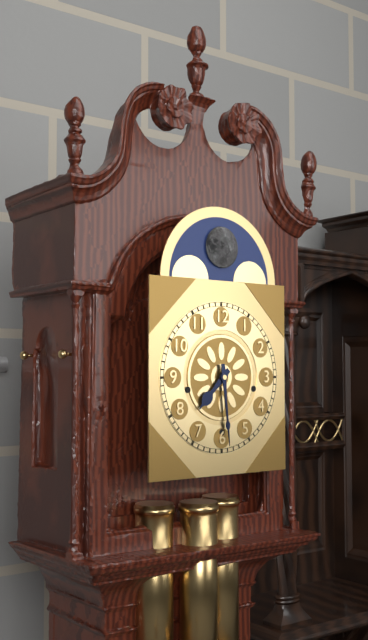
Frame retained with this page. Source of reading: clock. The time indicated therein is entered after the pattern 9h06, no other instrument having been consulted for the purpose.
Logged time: 7h29
